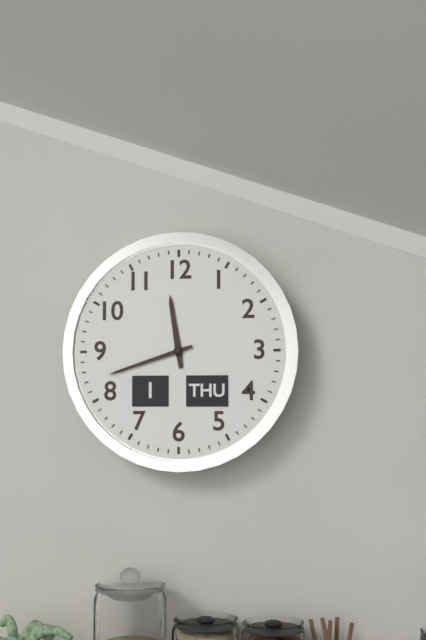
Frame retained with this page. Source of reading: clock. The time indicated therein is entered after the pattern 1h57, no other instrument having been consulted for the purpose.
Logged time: 11h42
